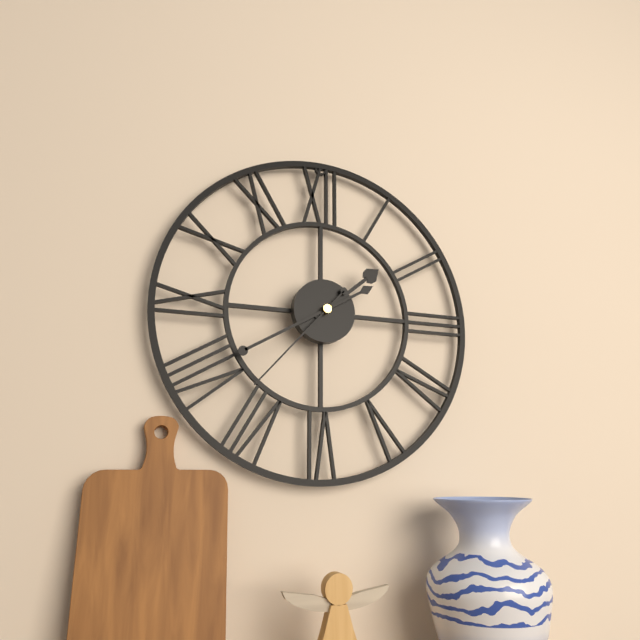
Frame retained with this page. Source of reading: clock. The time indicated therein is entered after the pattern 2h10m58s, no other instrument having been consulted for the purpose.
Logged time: 1h40m37s
